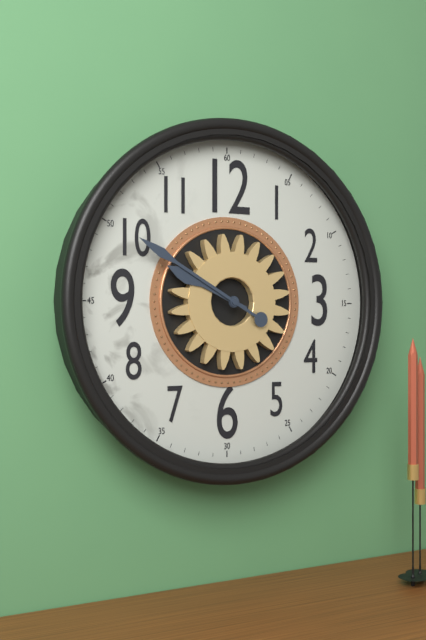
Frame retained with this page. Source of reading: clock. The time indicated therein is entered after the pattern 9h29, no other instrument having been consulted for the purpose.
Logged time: 9h50
